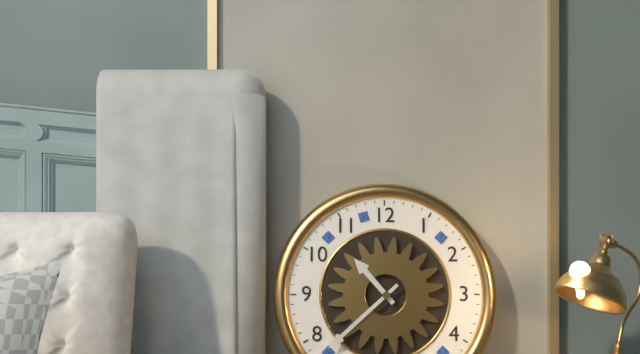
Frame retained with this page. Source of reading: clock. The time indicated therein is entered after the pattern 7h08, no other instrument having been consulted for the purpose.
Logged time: 10h38
